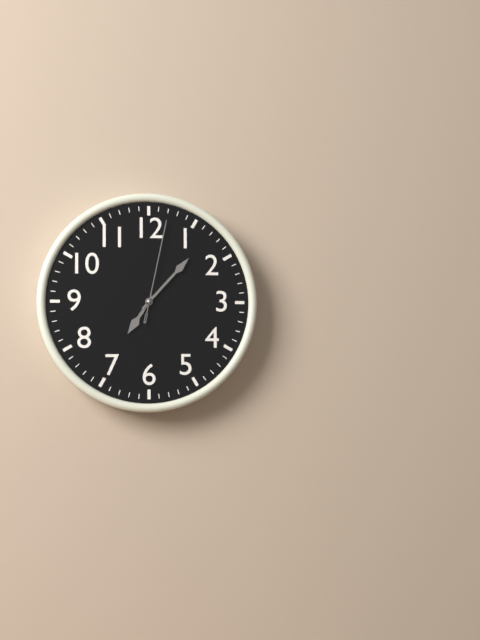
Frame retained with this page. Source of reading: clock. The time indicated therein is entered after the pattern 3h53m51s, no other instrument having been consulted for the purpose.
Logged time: 7h07m02s
